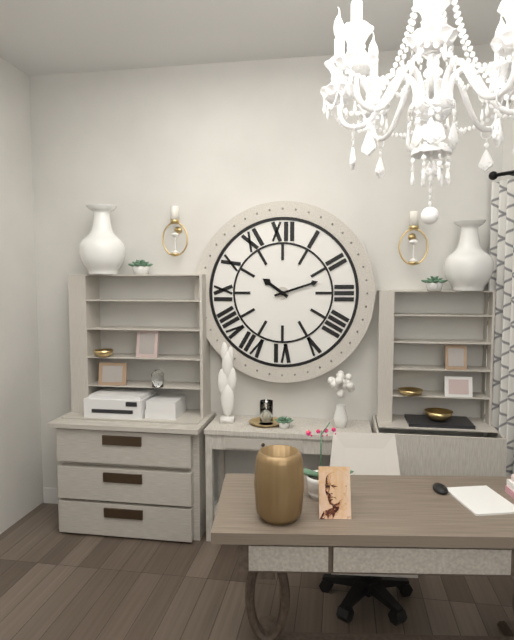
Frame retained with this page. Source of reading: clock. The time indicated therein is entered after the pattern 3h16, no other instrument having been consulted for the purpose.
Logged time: 10h12
